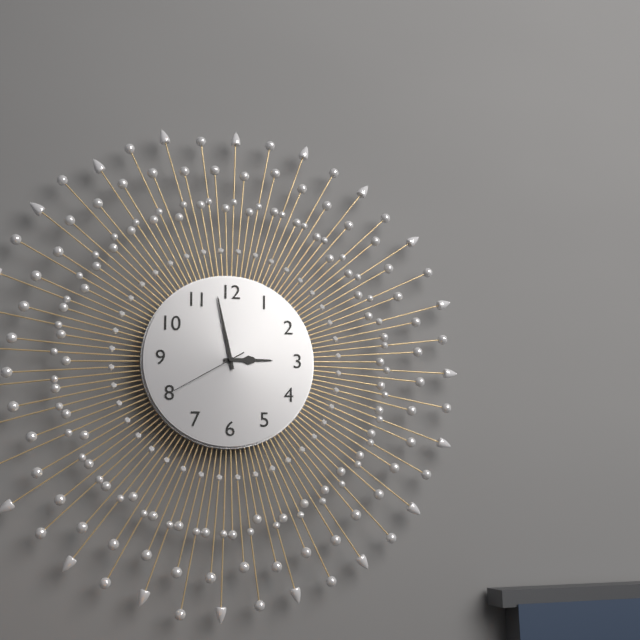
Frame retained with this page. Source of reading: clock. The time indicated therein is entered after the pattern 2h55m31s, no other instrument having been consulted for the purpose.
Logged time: 2h58m40s
